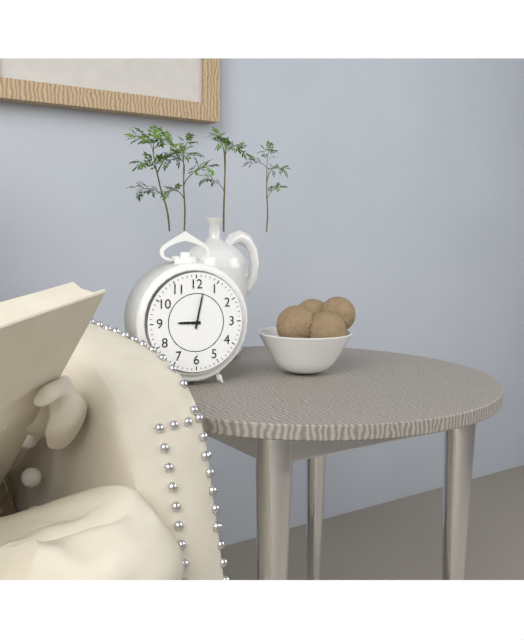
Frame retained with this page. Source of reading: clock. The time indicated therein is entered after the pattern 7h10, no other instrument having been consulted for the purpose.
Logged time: 9h02
